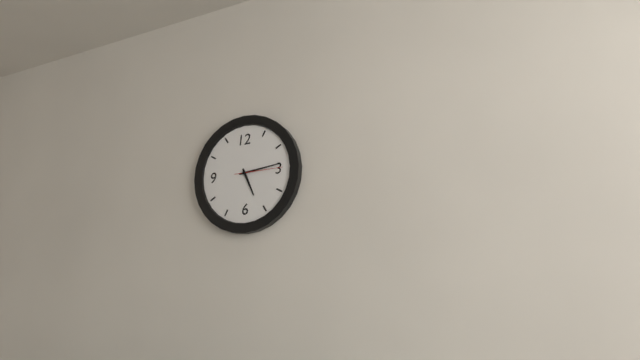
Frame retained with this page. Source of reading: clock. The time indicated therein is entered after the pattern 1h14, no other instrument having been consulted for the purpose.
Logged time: 5h14
